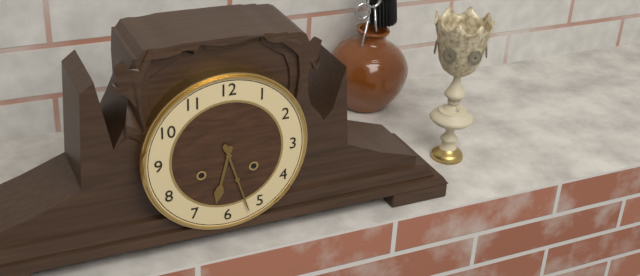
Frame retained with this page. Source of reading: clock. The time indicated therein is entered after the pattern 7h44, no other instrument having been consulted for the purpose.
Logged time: 6h27
